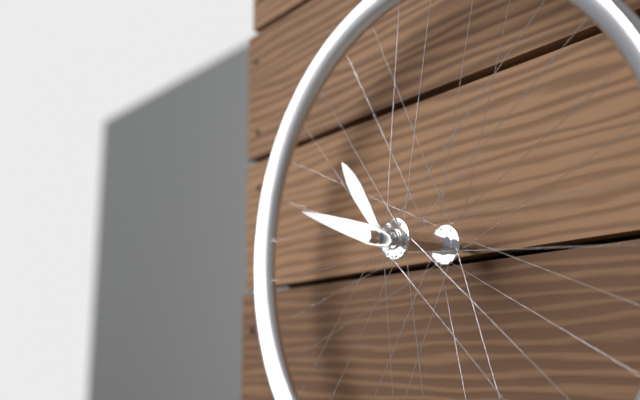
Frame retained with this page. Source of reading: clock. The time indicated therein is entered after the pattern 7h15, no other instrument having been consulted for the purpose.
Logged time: 10h48
